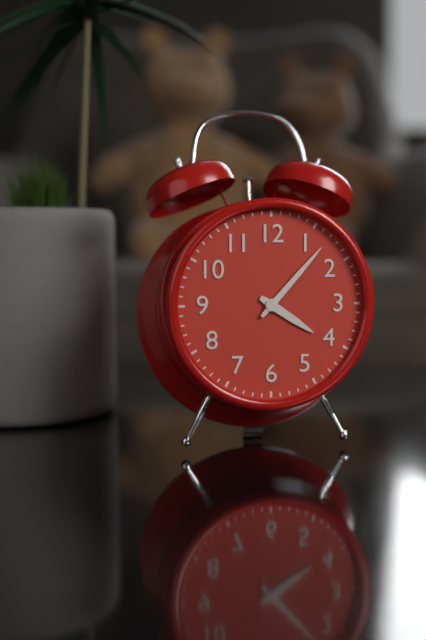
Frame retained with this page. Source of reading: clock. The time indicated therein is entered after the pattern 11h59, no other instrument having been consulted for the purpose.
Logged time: 4h07
